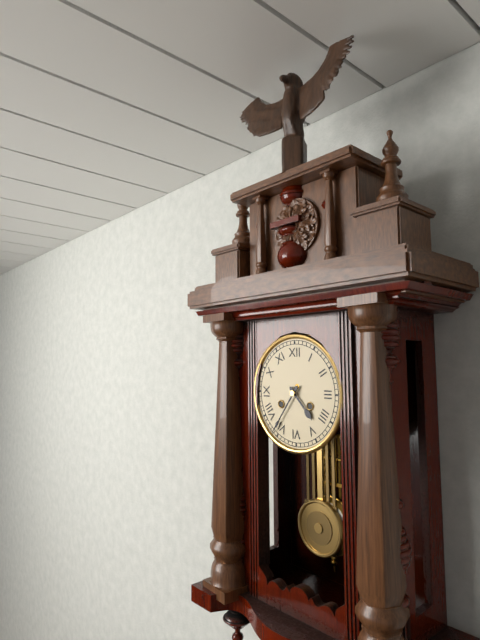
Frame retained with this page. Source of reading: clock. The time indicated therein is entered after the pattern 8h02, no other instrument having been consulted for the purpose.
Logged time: 4h36
